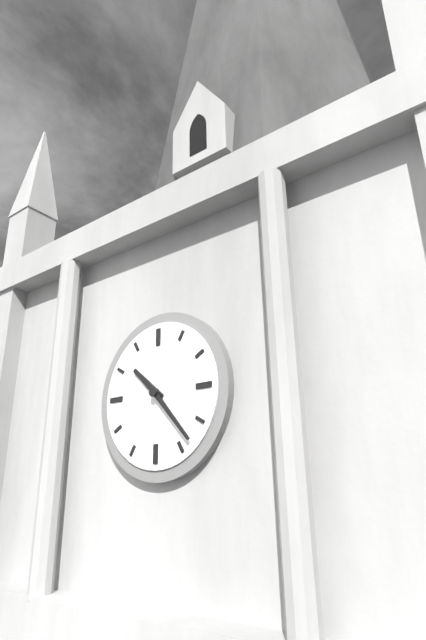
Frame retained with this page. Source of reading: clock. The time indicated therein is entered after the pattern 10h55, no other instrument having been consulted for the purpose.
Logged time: 10h23
